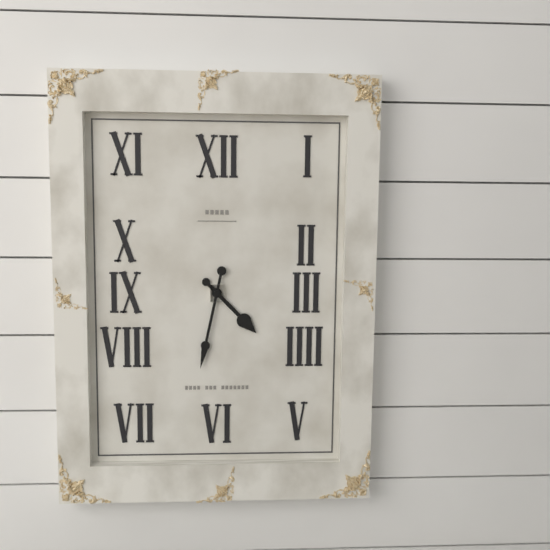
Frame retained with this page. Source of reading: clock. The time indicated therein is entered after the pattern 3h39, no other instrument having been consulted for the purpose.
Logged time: 4h32
